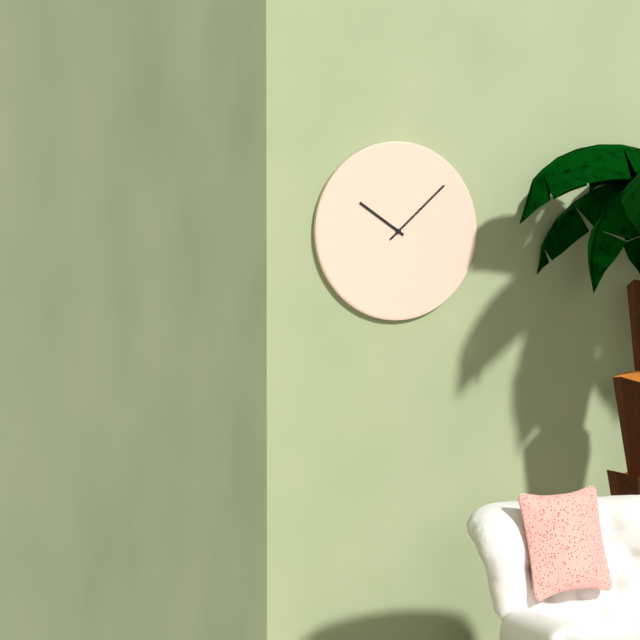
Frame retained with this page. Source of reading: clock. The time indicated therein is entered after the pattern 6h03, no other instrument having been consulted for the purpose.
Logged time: 10h08
